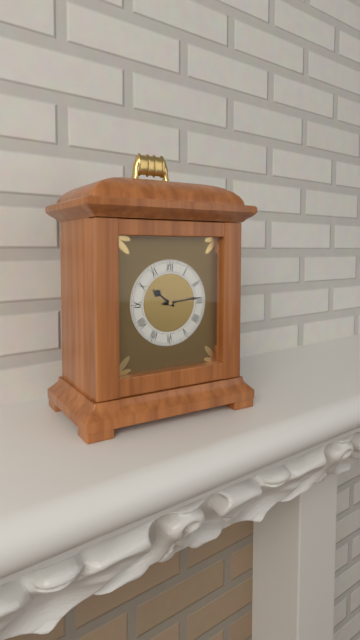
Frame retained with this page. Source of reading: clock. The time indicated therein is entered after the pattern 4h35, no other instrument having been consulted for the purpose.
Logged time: 10h14
